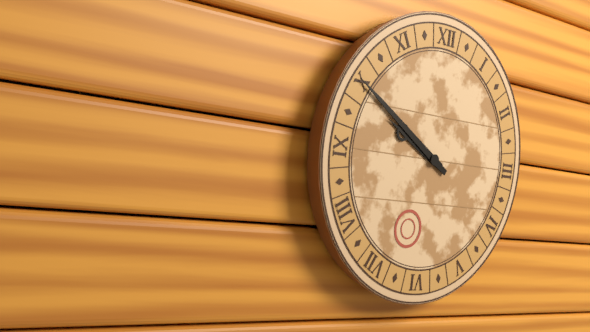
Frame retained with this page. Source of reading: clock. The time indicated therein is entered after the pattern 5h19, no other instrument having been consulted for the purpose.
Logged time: 9h50
